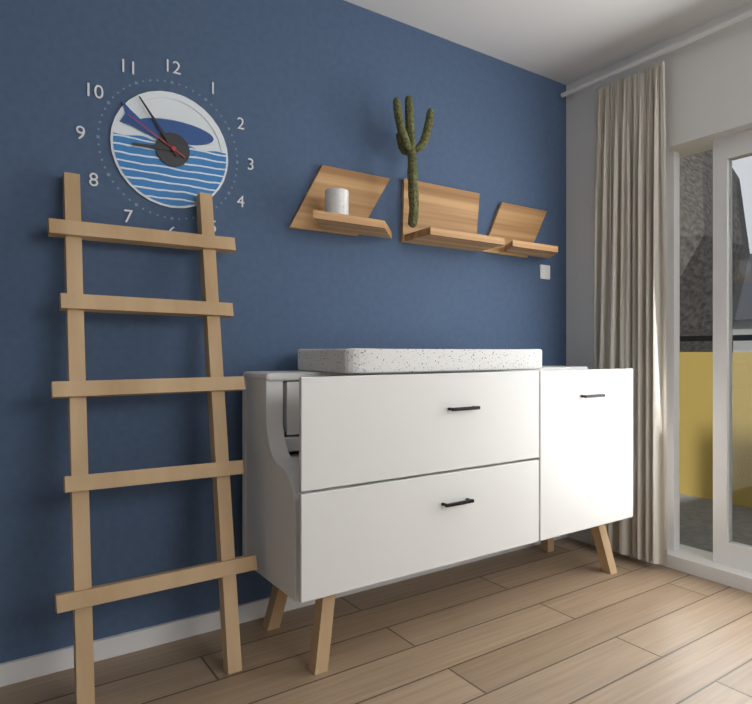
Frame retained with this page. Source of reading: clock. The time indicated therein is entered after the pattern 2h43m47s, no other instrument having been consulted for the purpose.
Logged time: 8h54m50s
